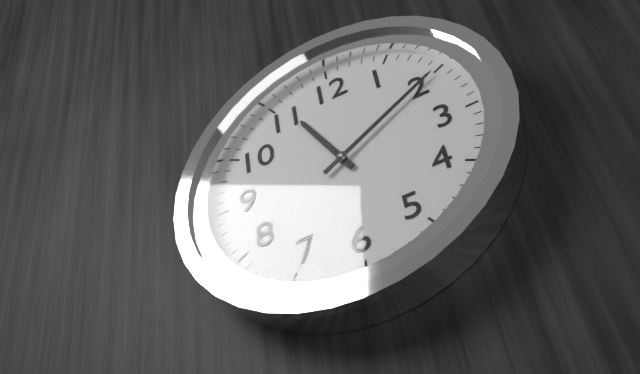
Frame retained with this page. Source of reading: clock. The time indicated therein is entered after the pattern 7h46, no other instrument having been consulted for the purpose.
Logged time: 11h10
